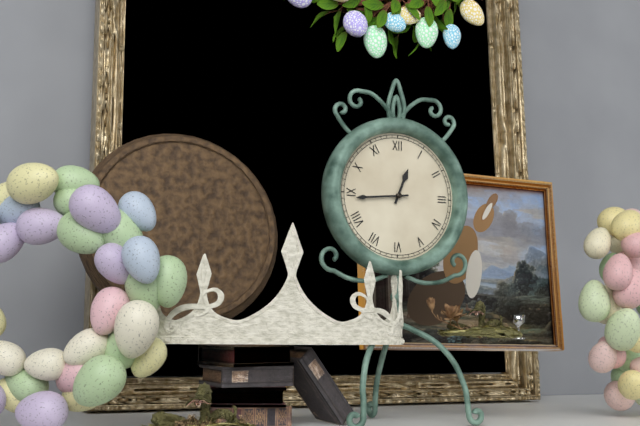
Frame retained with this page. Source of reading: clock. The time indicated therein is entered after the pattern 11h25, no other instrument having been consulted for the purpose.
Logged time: 12h44
